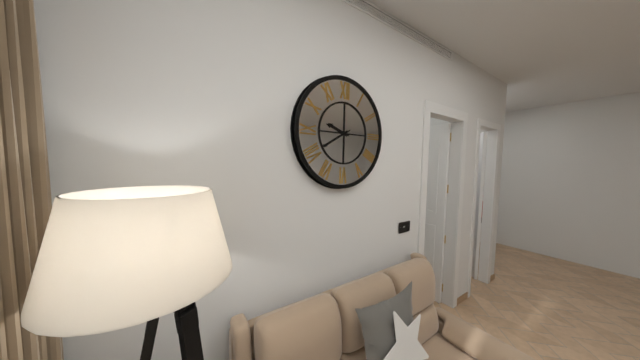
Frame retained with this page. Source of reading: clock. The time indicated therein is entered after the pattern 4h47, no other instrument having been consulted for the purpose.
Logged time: 9h40
